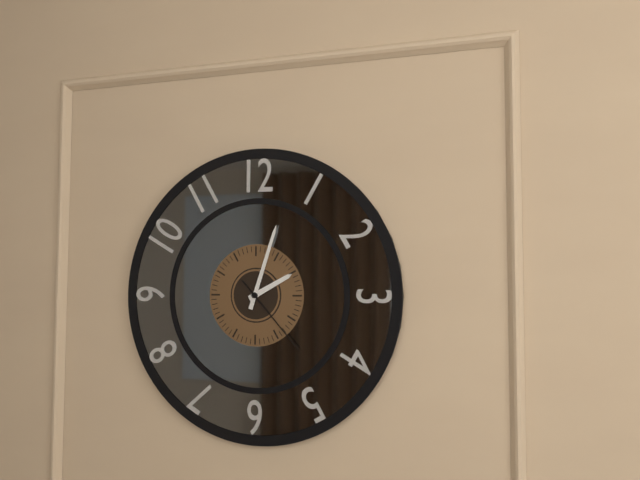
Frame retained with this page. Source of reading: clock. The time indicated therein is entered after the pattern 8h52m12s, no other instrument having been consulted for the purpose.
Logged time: 2h03m23s
